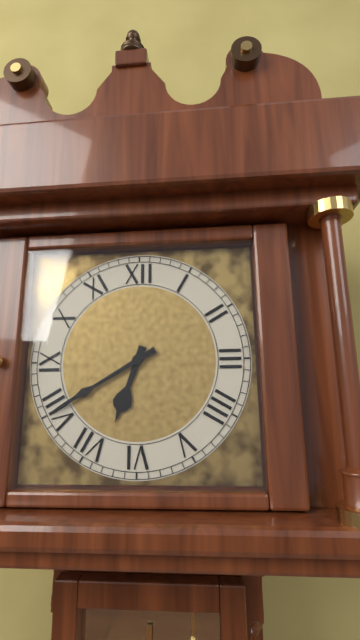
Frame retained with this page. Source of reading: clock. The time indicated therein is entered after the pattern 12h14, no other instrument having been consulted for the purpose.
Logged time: 6h40
